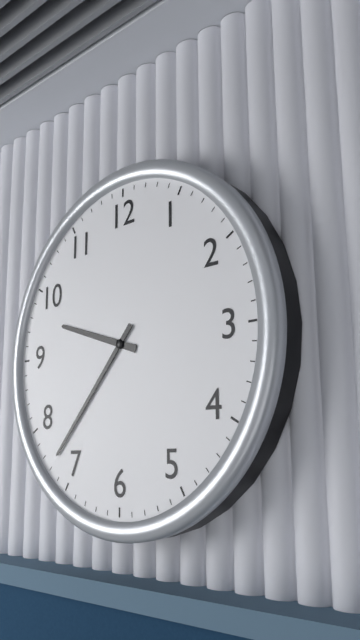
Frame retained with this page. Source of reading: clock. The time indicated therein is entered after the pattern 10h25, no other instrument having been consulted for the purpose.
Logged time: 9h37
